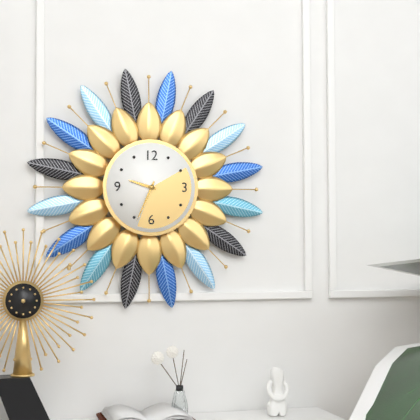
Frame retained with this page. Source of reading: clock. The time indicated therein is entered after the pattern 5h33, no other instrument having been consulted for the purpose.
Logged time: 9h34
